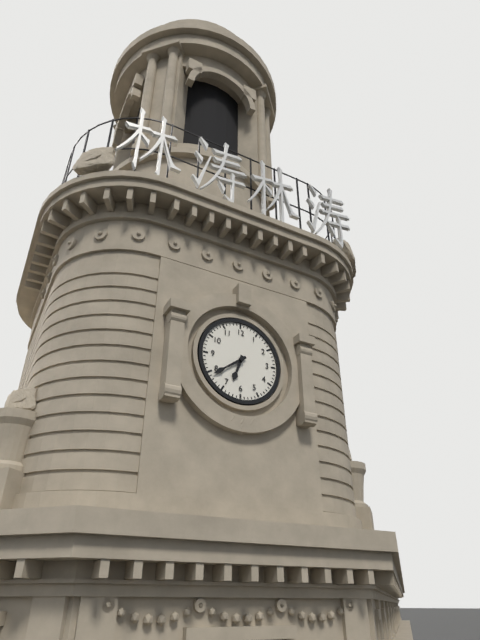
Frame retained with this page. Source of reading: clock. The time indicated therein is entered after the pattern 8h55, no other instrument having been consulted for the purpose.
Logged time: 6h39
